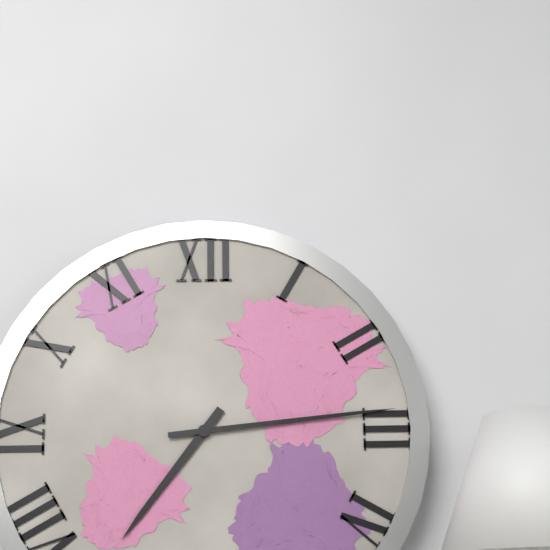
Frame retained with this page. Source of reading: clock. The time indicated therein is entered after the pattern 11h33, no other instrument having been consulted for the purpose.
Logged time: 7h14
